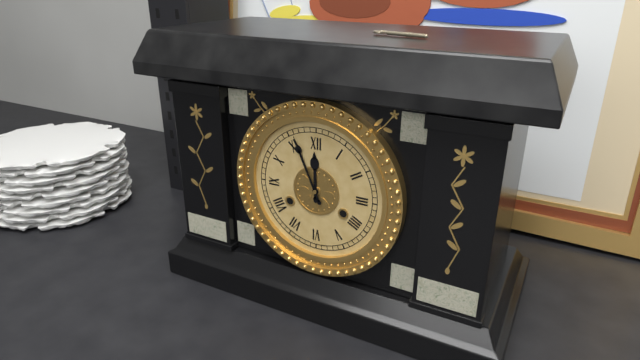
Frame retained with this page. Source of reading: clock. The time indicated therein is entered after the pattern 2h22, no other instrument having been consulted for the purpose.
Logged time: 11h56
